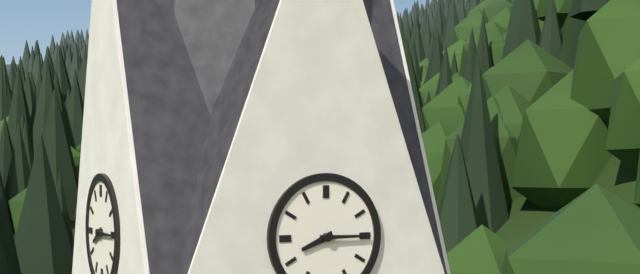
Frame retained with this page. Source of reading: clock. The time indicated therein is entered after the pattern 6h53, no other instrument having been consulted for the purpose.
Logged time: 8h15
